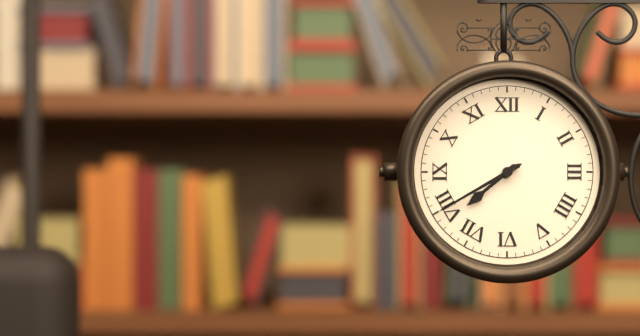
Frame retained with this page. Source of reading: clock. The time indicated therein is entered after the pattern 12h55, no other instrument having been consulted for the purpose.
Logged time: 7h40
